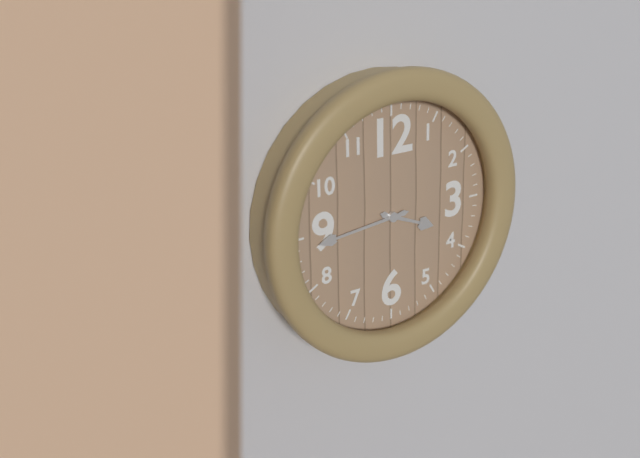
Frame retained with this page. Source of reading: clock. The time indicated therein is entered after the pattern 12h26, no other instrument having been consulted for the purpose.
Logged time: 3h44
